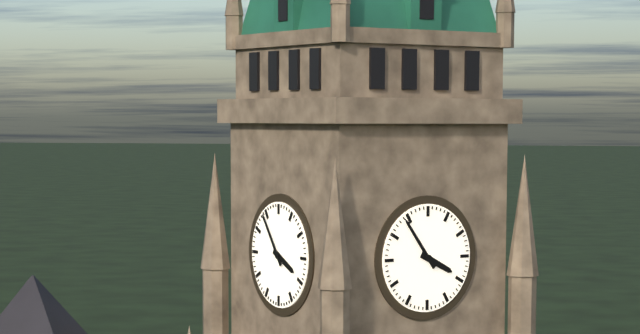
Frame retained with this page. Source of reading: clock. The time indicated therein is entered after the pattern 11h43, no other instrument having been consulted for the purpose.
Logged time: 3h54
